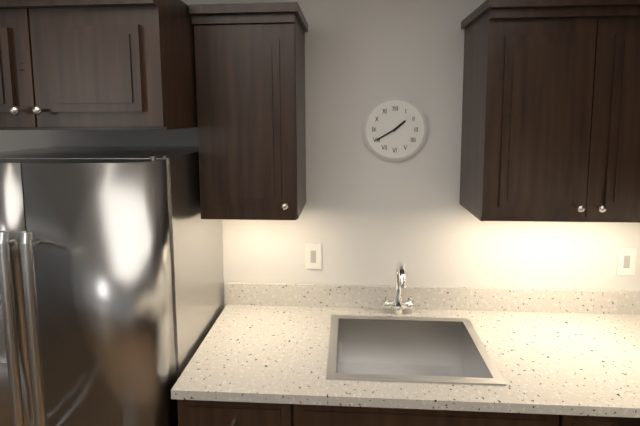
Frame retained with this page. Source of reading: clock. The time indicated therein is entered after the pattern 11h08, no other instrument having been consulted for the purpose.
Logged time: 1h40
